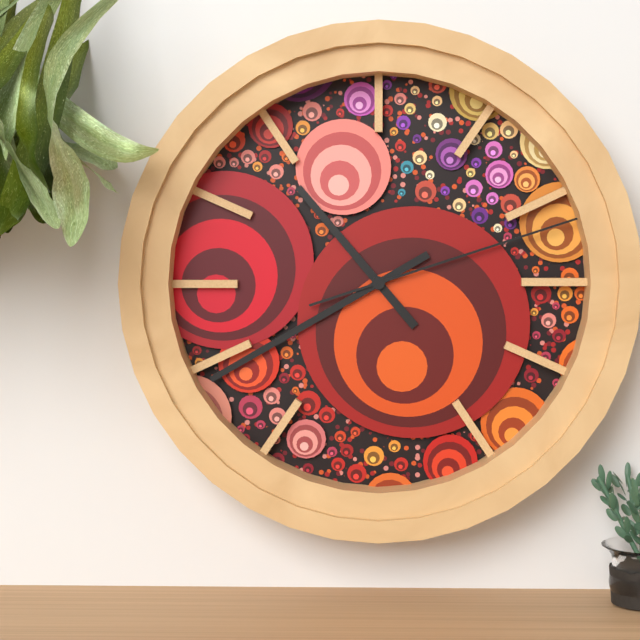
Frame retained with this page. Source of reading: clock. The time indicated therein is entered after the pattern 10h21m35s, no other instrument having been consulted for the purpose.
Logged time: 10h40m12s
